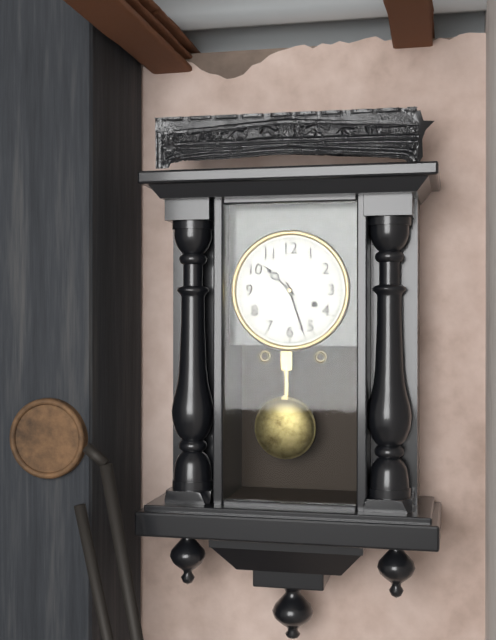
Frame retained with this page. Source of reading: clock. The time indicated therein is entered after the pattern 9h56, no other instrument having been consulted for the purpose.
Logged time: 10h27
